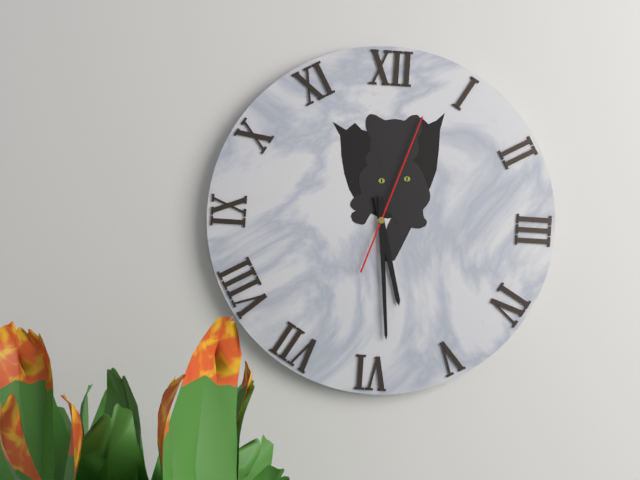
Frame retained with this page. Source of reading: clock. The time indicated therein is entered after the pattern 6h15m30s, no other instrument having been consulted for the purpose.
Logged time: 5h29m03s
